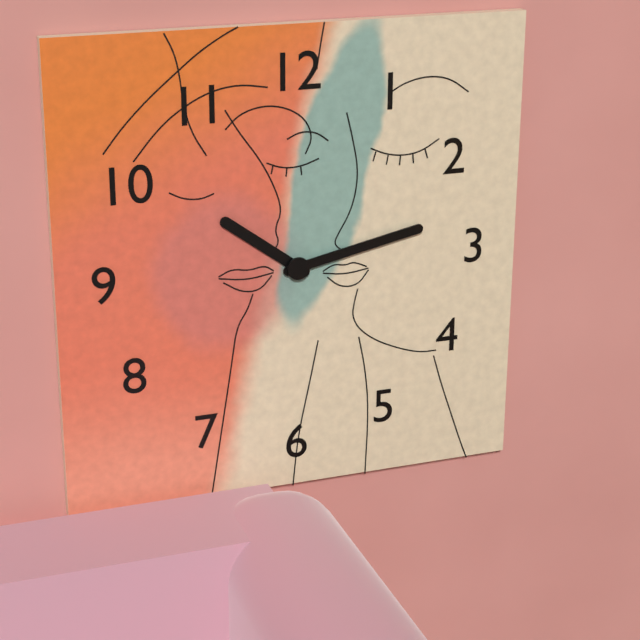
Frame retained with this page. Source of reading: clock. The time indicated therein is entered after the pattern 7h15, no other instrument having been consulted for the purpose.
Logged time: 10h13
